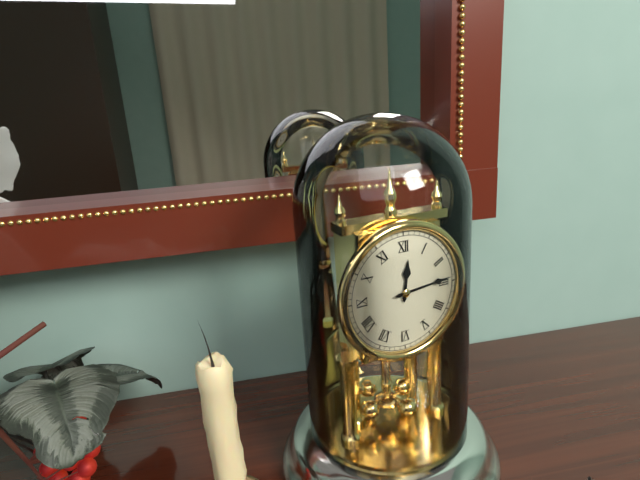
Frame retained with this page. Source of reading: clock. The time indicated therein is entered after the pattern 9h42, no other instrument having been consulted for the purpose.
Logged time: 12h14
